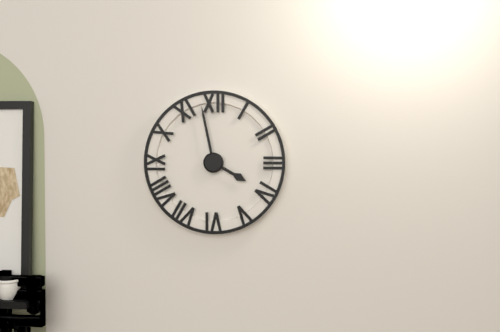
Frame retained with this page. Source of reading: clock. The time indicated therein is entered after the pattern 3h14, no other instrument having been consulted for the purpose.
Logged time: 3h58
